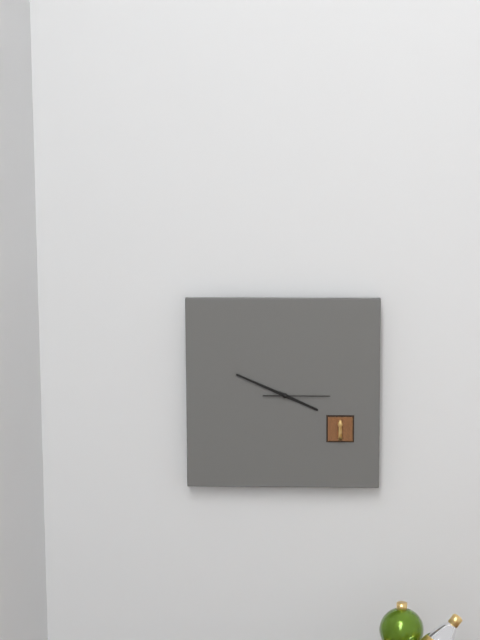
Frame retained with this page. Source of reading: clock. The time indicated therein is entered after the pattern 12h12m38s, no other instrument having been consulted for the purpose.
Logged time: 3h49m15s
